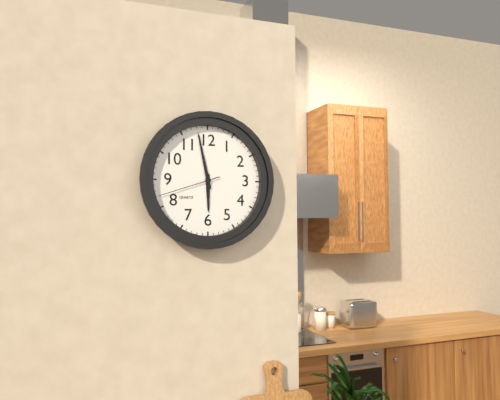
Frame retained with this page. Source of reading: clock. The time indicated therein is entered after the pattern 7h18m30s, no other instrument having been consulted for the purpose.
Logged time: 5h58m42s
